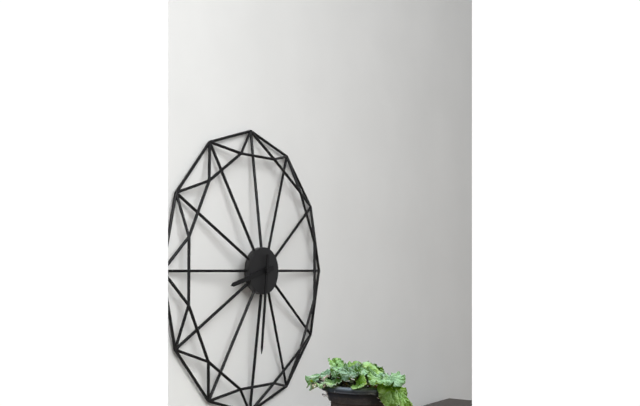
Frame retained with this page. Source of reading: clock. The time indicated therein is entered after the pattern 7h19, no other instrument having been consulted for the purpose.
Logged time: 8h31
